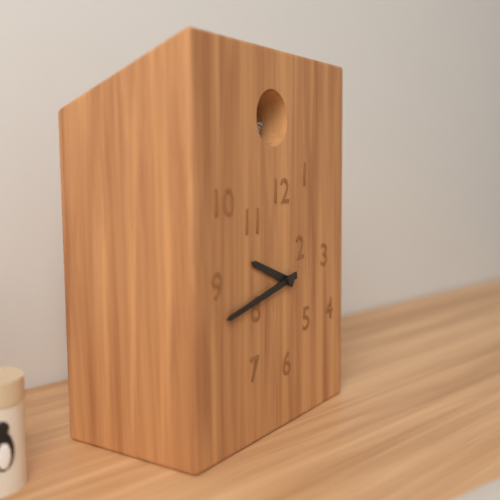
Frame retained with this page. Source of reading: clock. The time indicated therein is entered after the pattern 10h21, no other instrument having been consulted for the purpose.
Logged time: 9h43
